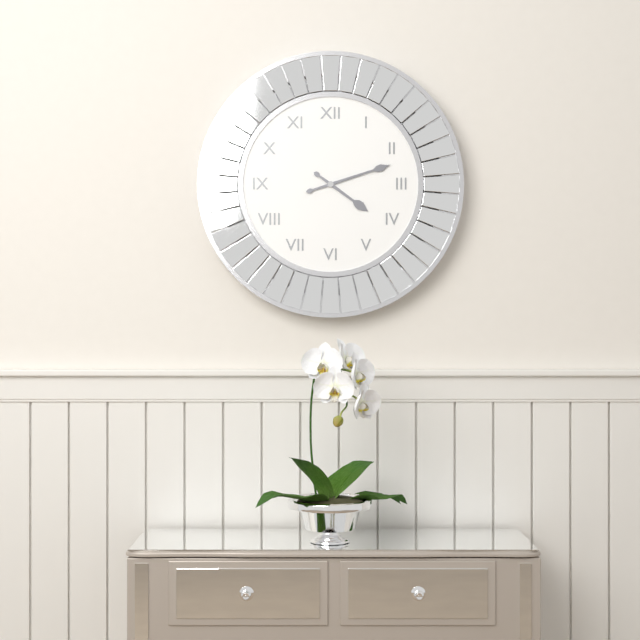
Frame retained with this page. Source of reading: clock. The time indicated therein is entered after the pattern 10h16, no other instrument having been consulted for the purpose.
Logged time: 4h12
